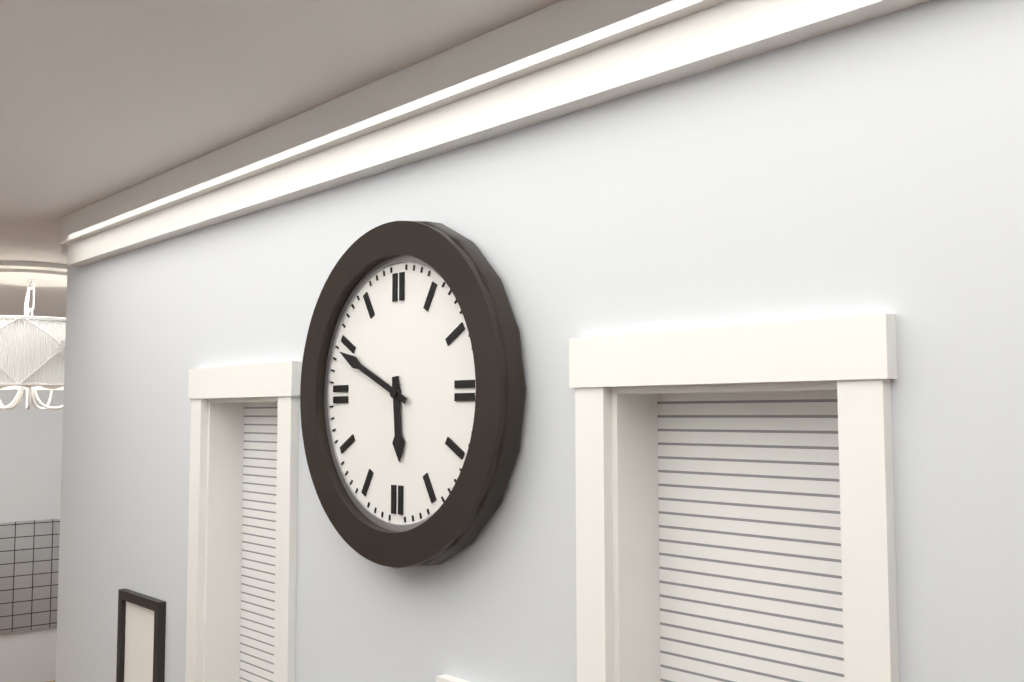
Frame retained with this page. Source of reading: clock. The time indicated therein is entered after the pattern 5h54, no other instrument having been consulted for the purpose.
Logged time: 5h49
